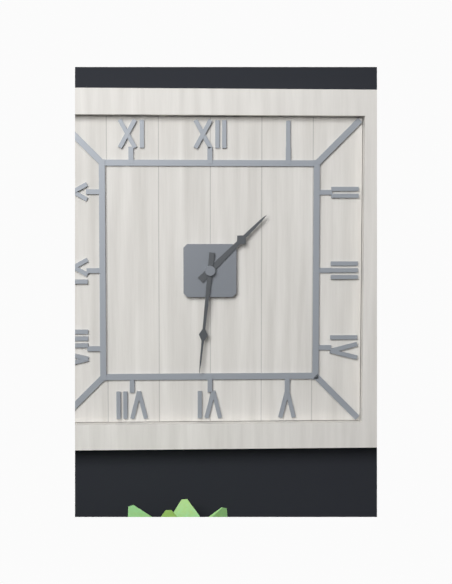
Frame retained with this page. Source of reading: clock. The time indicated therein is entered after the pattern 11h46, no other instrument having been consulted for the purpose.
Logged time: 1h31
